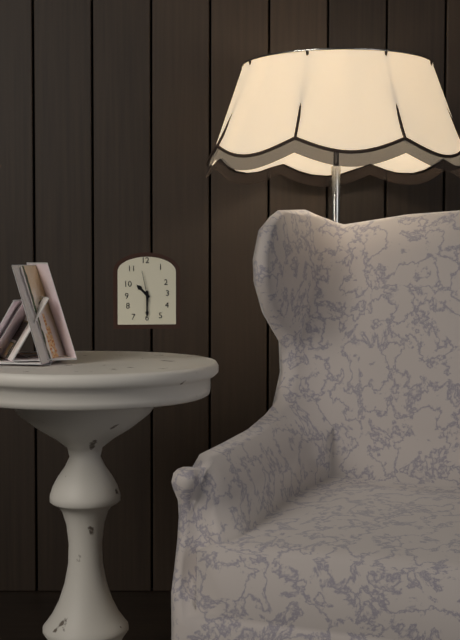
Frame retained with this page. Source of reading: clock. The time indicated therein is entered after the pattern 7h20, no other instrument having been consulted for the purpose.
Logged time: 10h30
